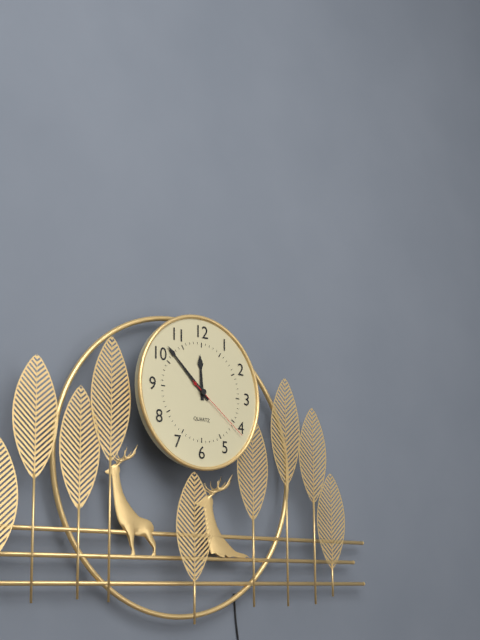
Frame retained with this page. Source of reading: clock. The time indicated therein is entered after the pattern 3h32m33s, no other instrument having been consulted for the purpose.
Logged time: 11h52m21s
